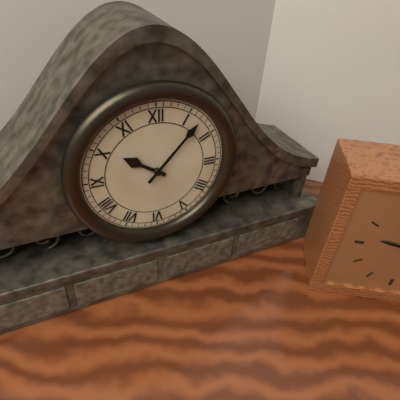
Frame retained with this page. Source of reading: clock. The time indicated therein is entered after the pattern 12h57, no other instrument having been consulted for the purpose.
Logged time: 10h07
